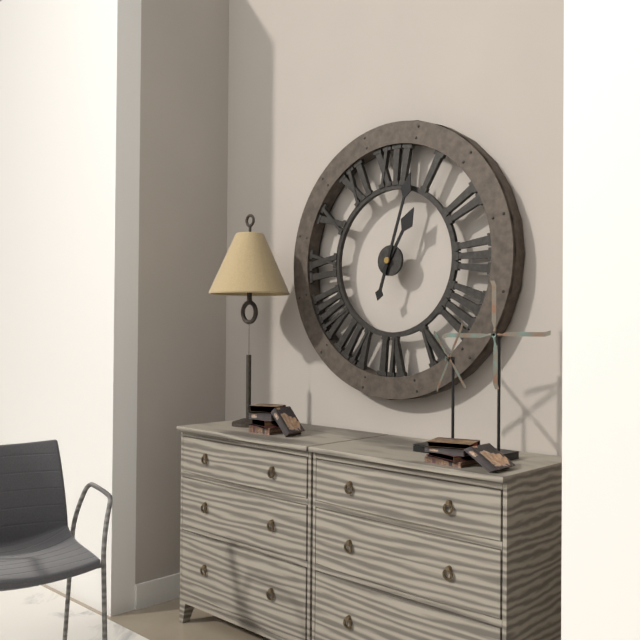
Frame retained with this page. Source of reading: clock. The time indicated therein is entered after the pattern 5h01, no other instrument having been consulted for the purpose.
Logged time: 1h03
